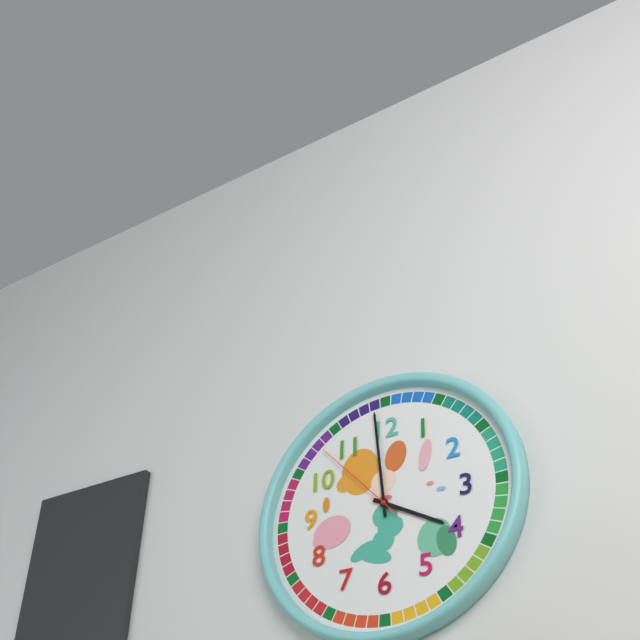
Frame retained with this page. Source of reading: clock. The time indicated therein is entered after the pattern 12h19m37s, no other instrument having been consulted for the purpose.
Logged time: 3h59m53s
